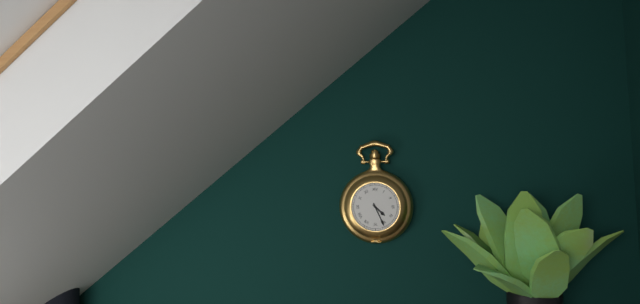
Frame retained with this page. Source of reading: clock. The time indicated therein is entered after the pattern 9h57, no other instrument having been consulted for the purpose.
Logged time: 4h26
